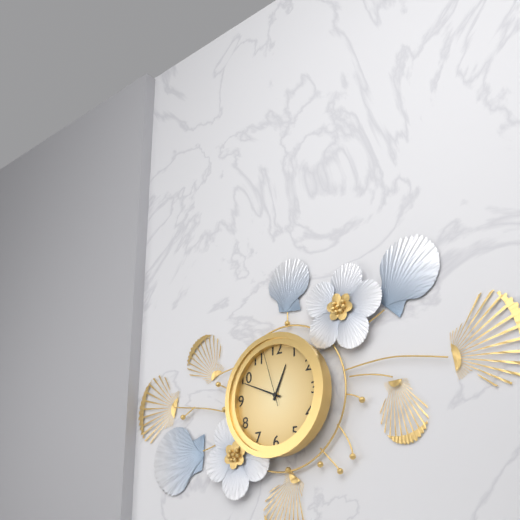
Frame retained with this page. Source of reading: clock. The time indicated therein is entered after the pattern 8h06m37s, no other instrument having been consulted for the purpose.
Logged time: 12h49m57s
